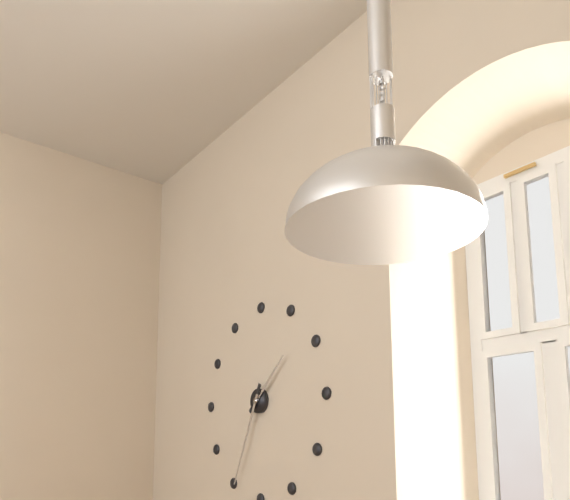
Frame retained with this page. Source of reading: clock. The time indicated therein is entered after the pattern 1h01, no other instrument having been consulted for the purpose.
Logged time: 1h34
